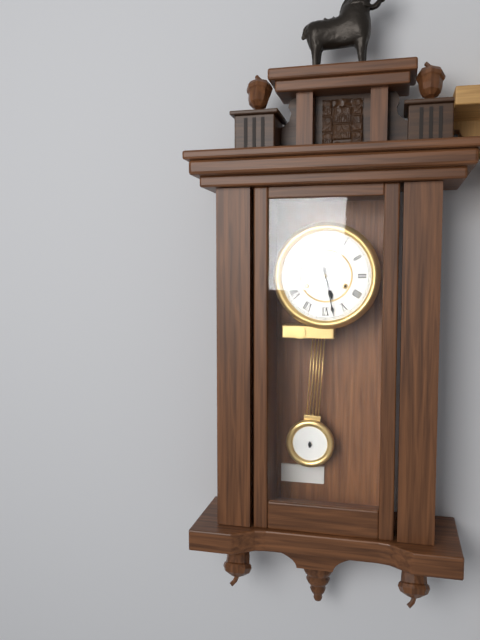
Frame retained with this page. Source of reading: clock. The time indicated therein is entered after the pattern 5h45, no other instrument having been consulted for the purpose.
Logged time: 5h28
